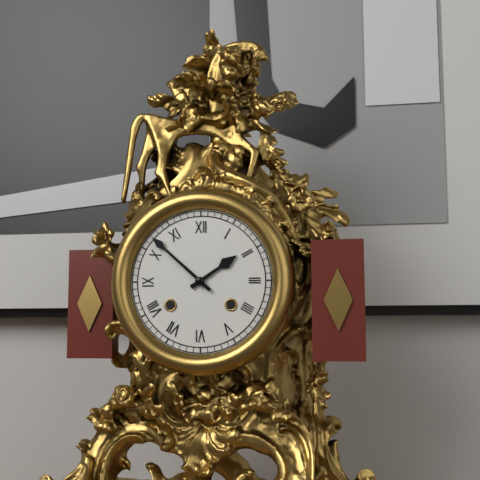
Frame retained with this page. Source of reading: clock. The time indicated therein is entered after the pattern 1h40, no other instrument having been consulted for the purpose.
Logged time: 1h52
